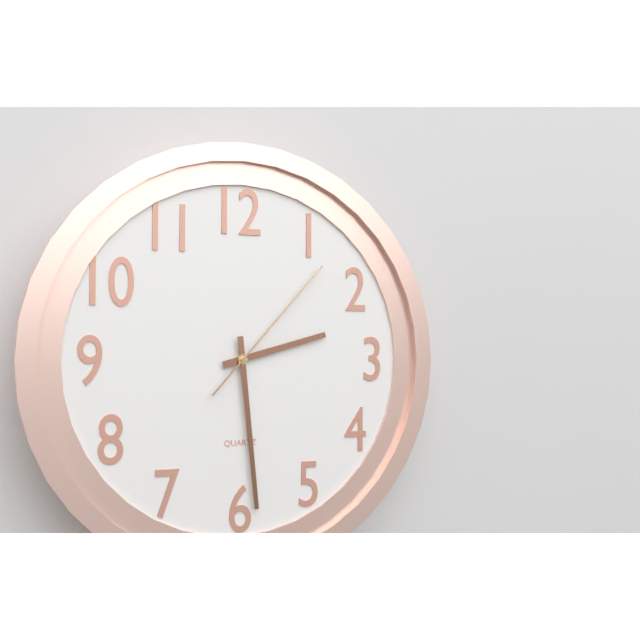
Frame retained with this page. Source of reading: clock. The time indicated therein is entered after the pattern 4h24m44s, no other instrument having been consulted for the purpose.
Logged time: 2h29m07s
